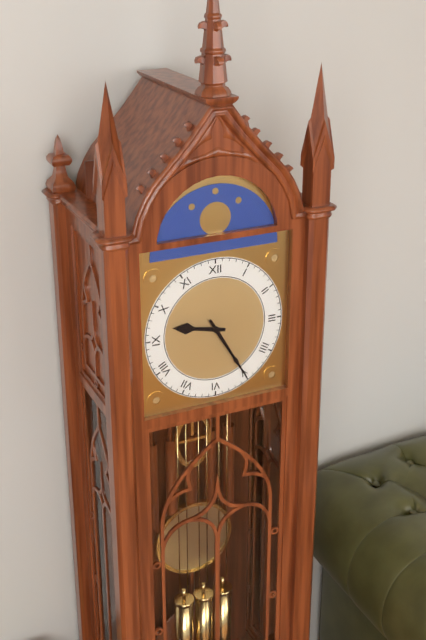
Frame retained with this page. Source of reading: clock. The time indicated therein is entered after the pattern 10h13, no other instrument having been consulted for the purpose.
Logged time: 9h25
